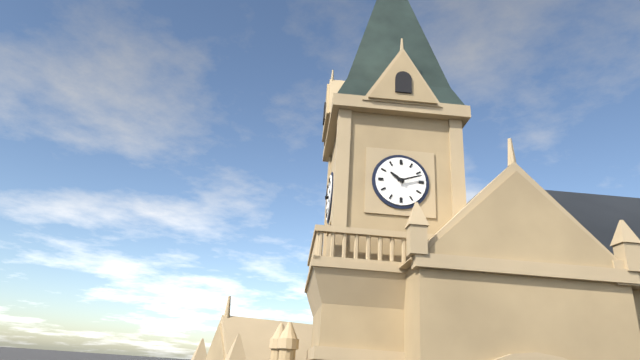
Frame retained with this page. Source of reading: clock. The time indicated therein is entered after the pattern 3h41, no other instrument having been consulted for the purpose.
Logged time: 10h12
